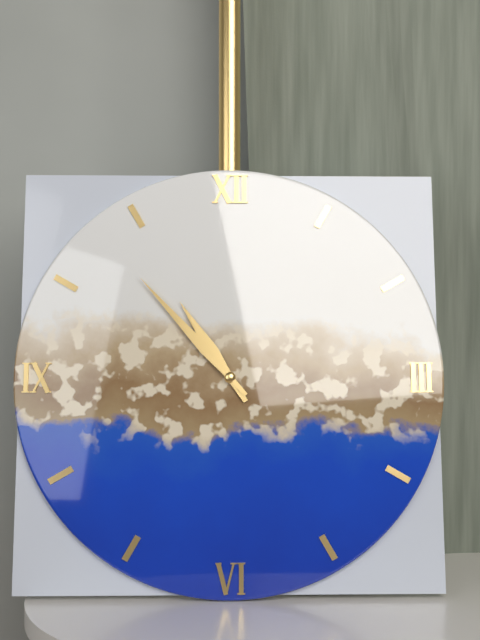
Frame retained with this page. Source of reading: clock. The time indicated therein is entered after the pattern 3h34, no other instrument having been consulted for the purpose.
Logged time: 10h53
